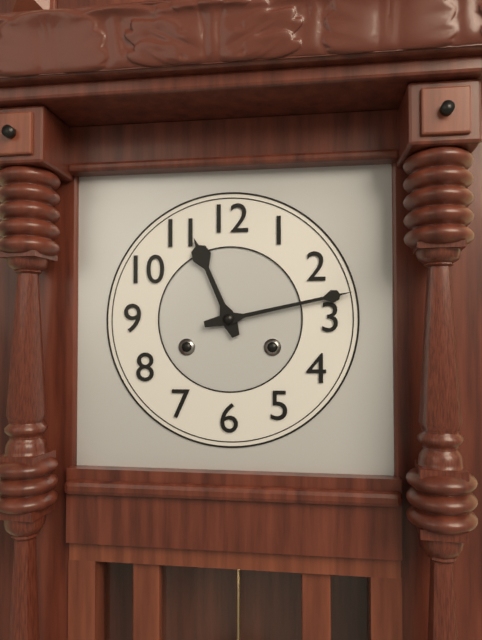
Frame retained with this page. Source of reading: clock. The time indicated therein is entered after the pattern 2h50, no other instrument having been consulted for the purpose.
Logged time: 11h13
